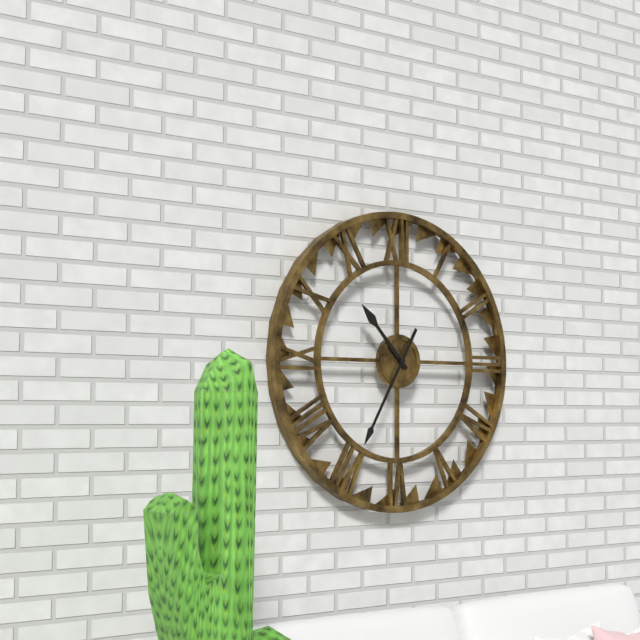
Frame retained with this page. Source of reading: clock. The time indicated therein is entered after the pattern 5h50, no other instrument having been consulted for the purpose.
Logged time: 10h35
